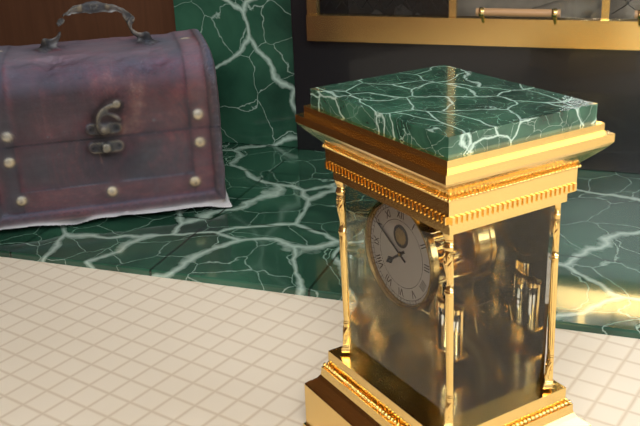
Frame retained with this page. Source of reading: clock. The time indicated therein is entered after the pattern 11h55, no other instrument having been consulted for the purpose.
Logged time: 7h50
